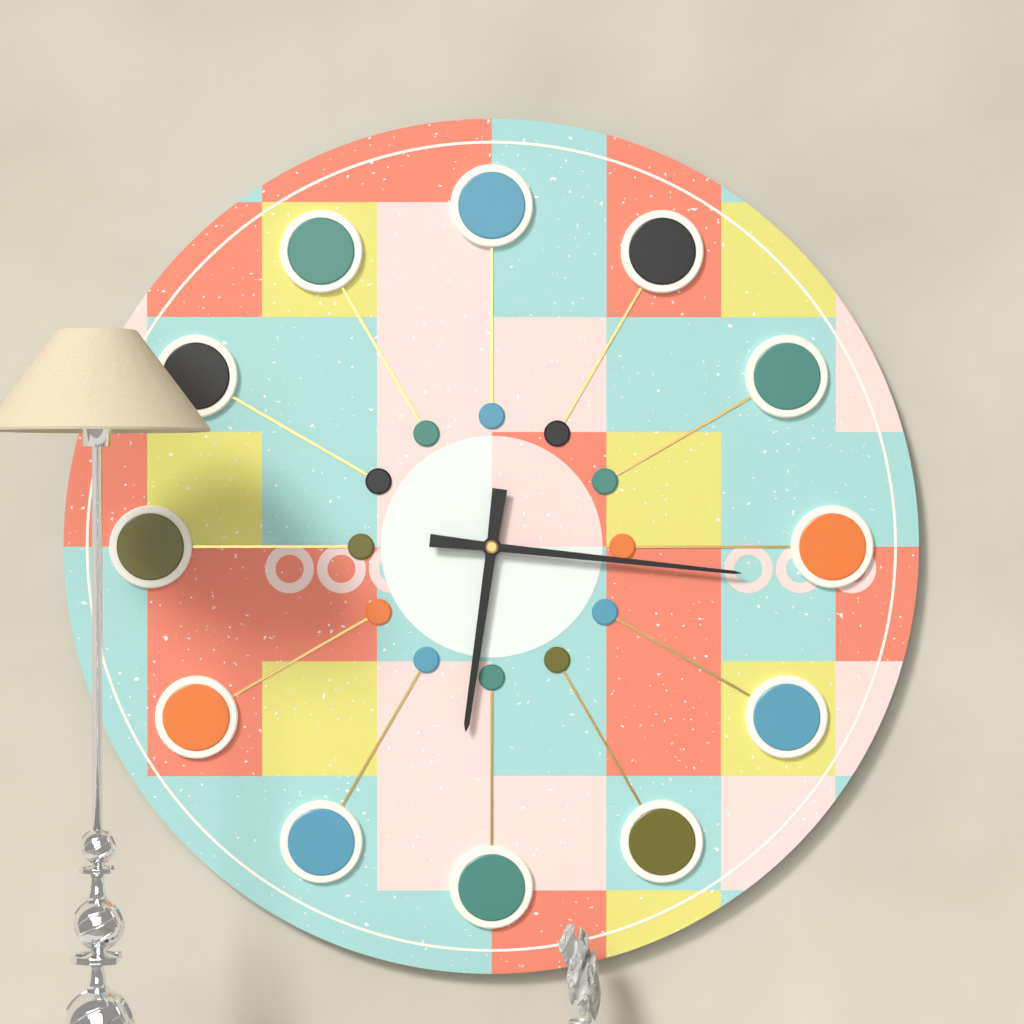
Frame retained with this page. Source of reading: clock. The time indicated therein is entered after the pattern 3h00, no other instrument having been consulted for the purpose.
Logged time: 6h16
